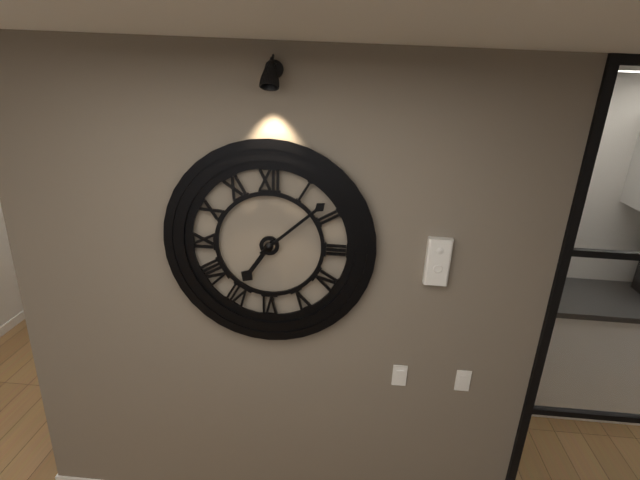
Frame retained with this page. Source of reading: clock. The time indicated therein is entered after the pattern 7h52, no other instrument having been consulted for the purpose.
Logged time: 7h08
